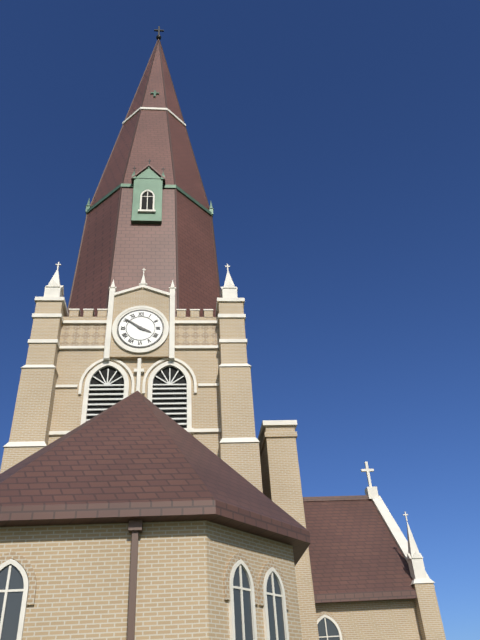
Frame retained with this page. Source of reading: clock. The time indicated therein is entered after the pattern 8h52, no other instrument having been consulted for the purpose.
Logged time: 3h51
